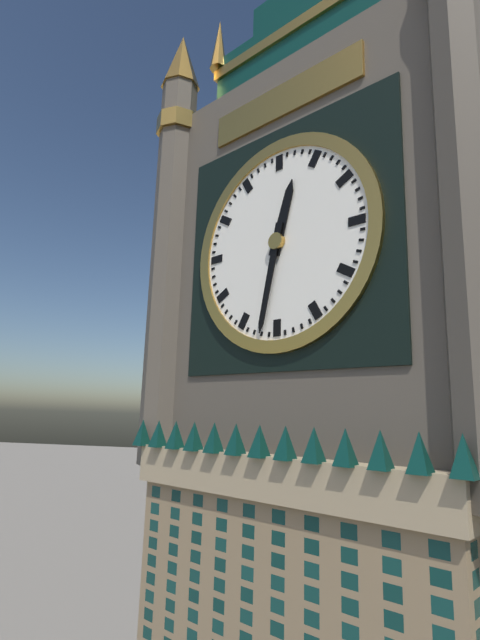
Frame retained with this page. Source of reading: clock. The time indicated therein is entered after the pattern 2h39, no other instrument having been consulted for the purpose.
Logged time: 12h32
